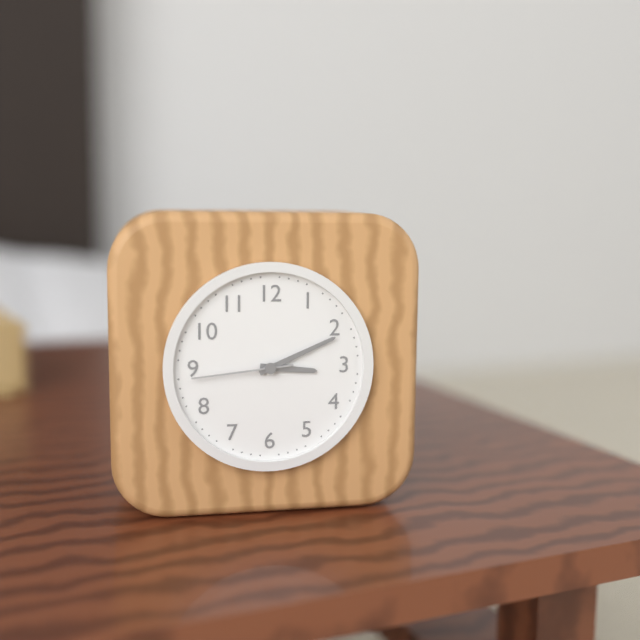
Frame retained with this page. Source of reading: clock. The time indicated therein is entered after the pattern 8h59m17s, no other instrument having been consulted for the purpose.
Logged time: 3h11m44s
